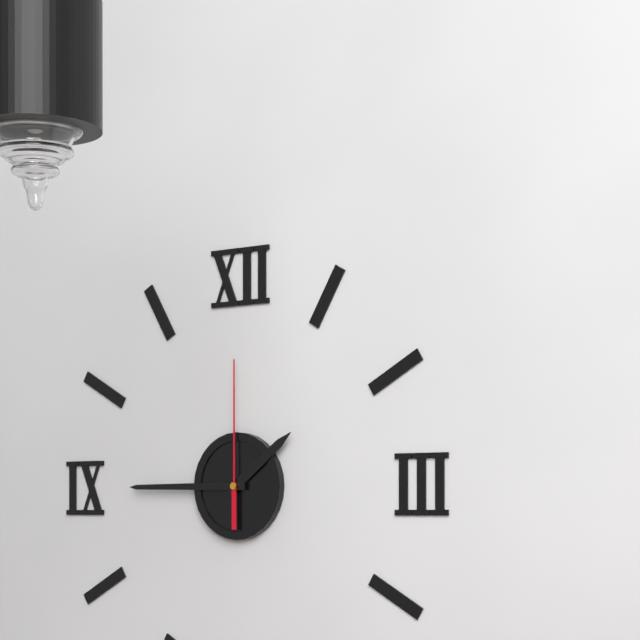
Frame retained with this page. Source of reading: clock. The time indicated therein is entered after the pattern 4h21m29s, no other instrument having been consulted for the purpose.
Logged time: 1h45m00s
